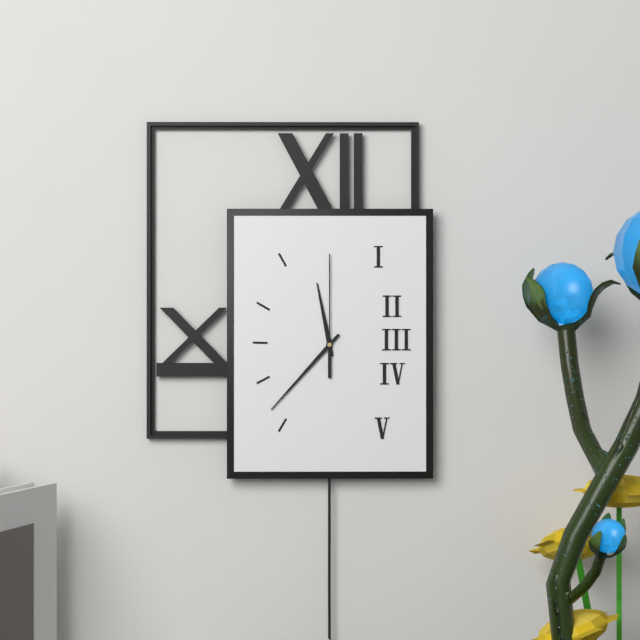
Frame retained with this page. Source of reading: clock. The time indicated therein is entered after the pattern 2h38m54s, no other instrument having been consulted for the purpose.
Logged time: 11h37m00s
